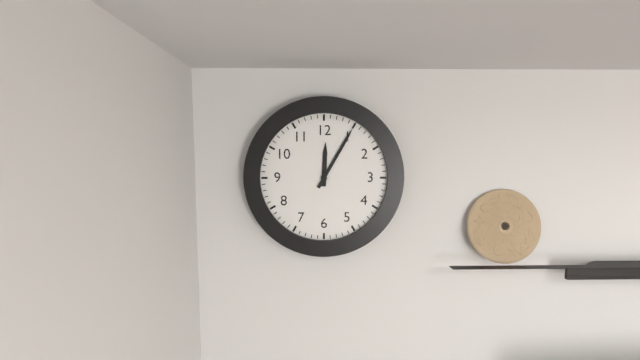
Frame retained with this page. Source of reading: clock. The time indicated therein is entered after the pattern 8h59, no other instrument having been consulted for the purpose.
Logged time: 12h05
